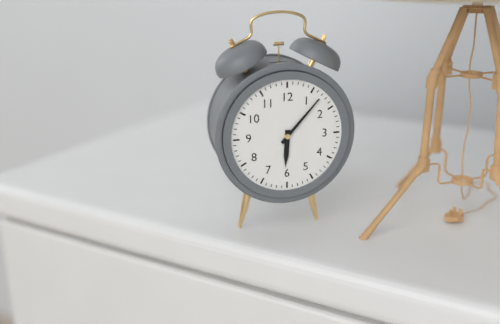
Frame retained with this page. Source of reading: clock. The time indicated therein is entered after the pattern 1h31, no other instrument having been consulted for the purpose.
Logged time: 6h07
